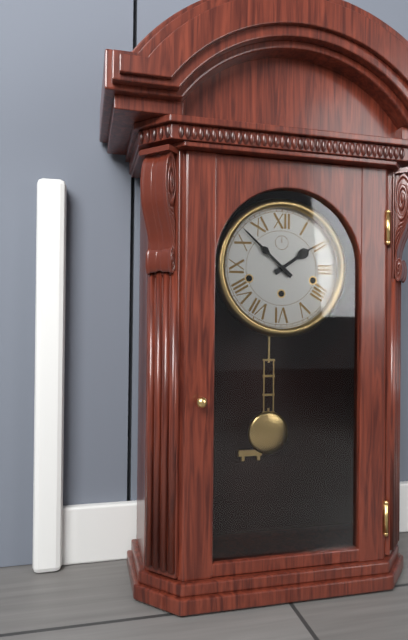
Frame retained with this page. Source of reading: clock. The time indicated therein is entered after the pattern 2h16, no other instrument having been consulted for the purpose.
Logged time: 1h52
